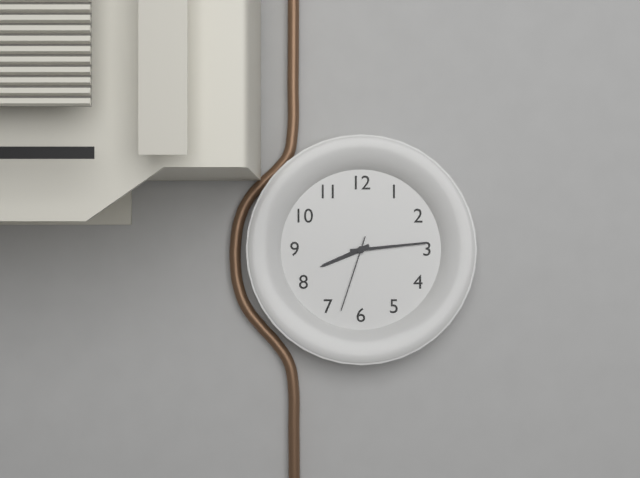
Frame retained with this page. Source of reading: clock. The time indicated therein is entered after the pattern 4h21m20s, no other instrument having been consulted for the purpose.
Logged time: 8h14m33s
